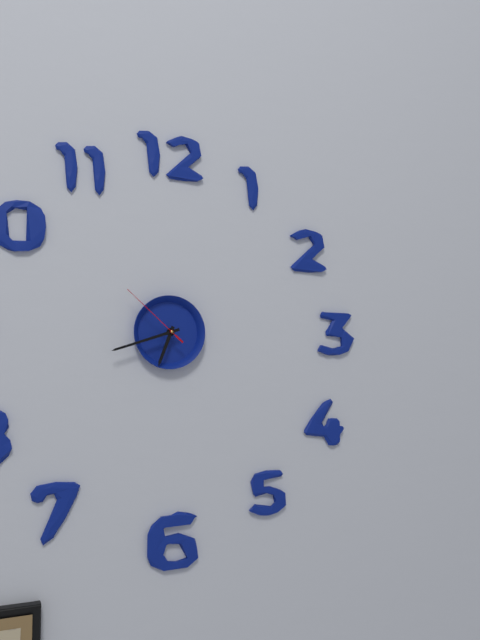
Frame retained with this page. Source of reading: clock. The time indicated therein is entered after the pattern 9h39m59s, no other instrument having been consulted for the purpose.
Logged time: 6h42m52s
